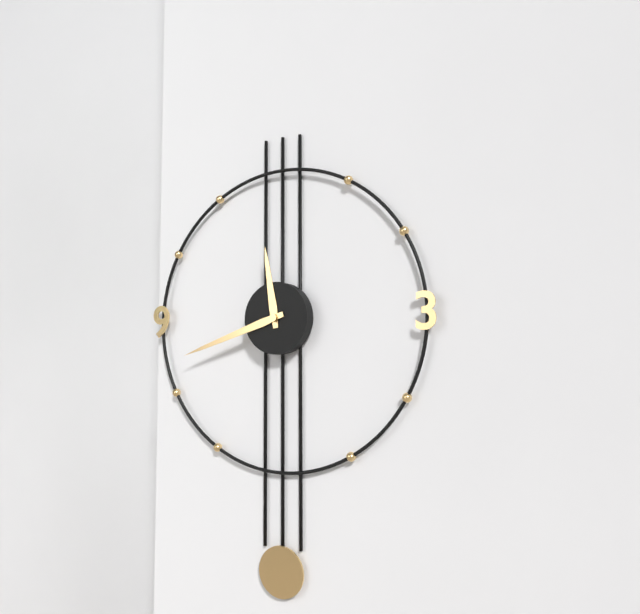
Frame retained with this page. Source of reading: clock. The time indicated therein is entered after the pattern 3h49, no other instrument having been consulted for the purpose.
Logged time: 11h42
